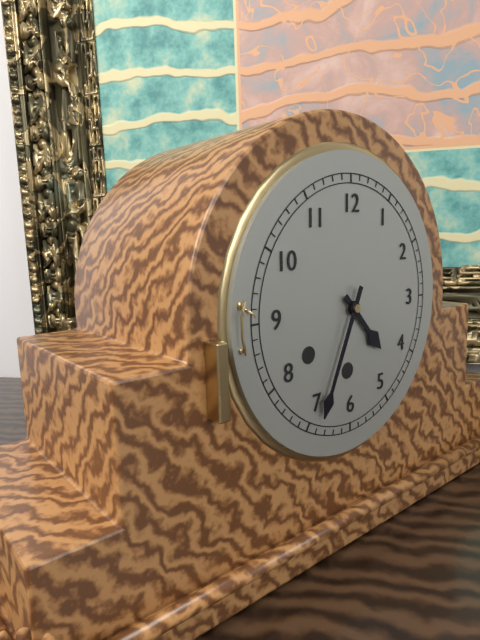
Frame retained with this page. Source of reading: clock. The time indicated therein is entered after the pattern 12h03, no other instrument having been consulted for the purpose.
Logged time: 4h34
